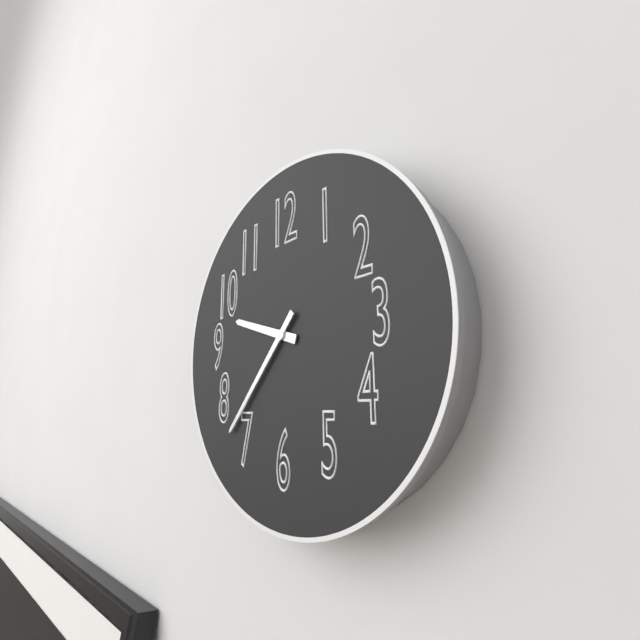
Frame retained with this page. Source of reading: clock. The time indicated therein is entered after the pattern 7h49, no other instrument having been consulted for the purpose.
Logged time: 9h37
